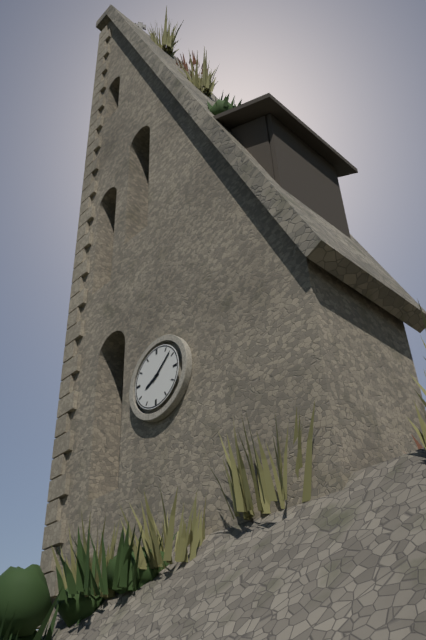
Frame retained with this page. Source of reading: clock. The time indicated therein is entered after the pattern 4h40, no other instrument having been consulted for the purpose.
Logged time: 8h08
